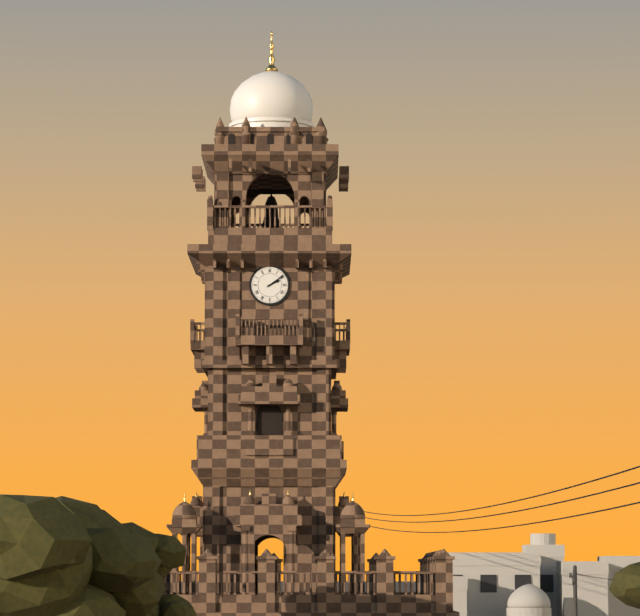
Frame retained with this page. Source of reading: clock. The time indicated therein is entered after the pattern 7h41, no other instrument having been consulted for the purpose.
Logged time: 2h09
